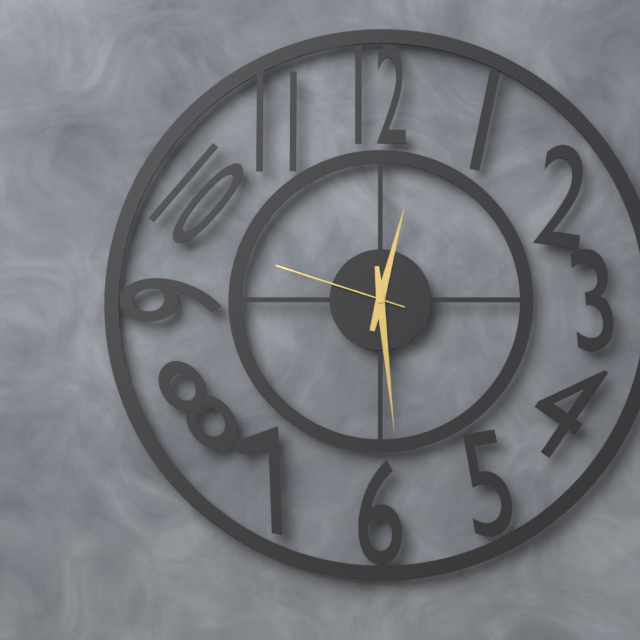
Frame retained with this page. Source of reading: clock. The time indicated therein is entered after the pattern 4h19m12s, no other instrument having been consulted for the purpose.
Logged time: 12h29m48s
